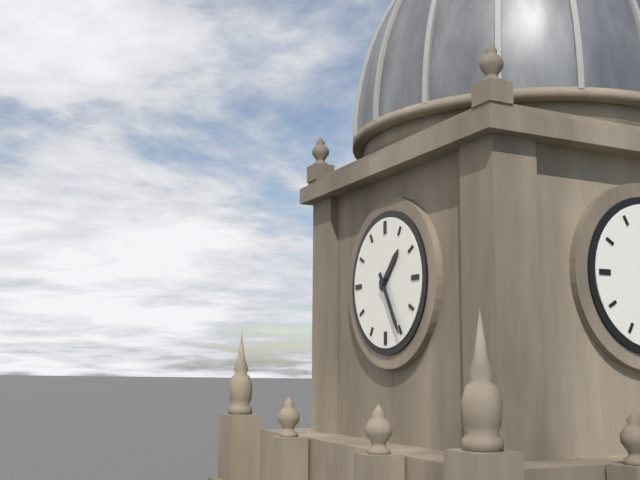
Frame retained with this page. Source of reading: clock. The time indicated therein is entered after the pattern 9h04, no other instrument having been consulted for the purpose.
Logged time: 1h25
